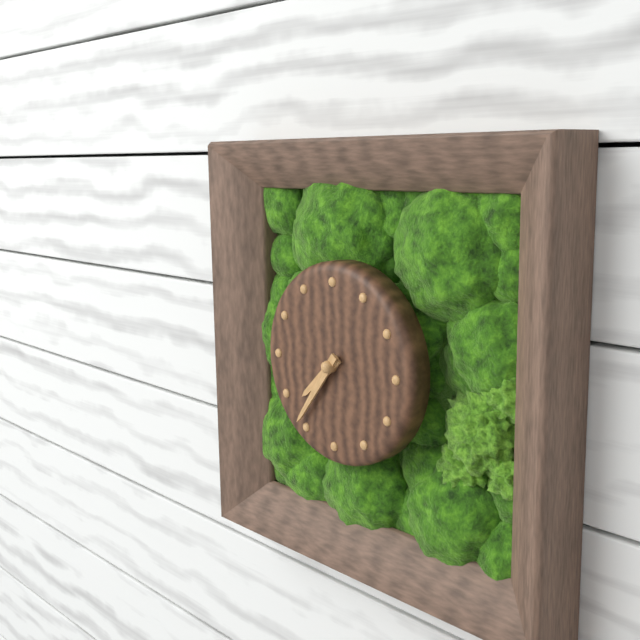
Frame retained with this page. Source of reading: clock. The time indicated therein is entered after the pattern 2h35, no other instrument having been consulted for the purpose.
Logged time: 7h36
